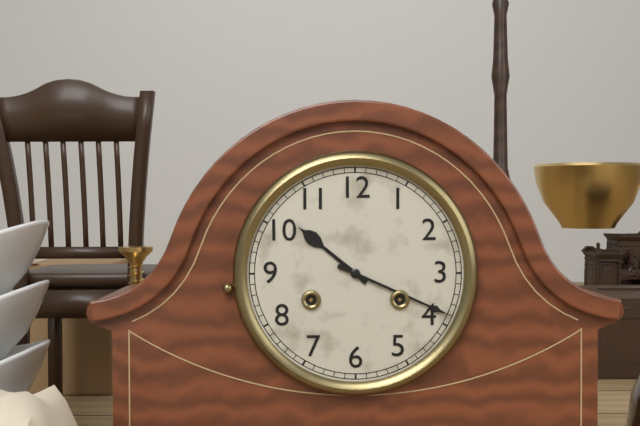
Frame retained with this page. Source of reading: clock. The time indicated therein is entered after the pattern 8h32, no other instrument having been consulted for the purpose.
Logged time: 10h19
